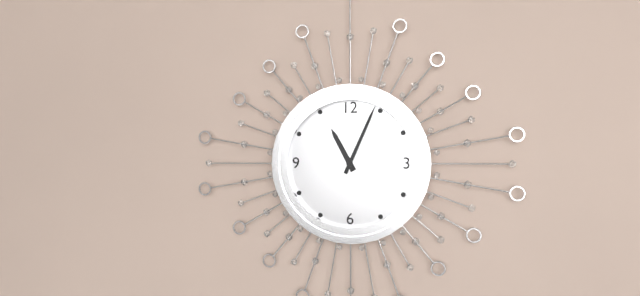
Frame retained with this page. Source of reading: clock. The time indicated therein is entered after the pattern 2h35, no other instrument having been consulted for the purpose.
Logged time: 11h04
